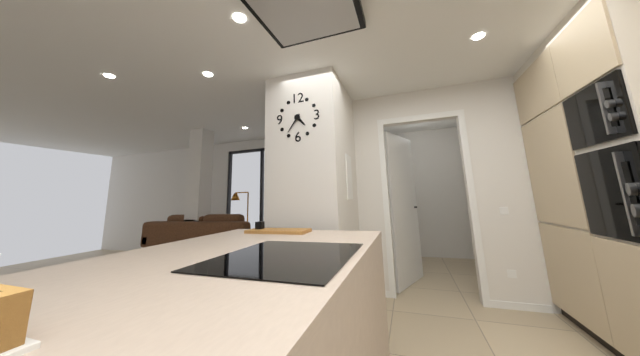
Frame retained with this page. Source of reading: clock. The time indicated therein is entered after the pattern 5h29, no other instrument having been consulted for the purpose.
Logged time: 4h36
